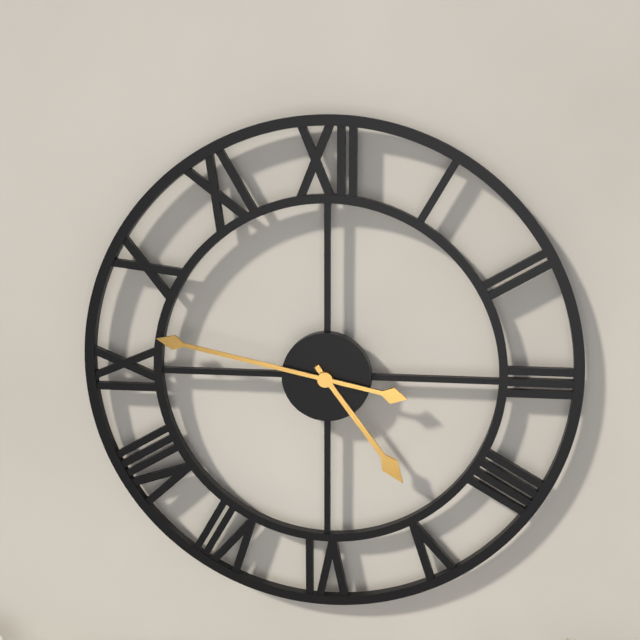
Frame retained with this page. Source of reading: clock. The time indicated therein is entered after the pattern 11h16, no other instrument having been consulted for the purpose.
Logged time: 4h47
